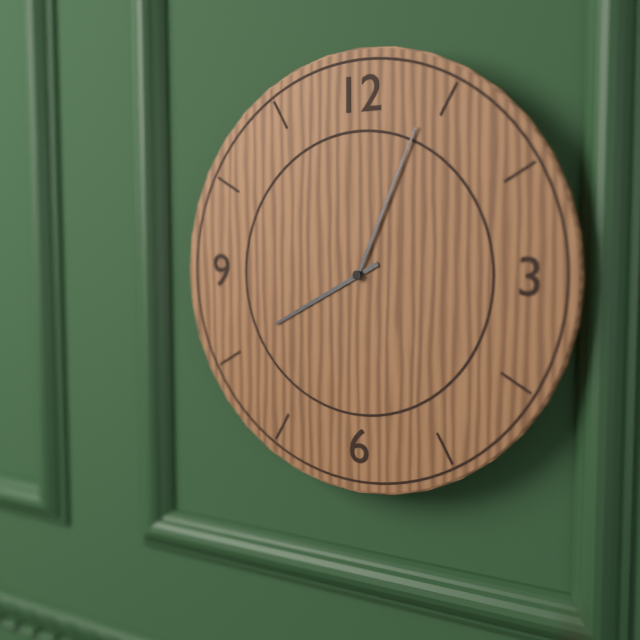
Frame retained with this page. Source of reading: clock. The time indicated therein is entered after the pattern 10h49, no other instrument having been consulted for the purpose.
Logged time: 8h04
